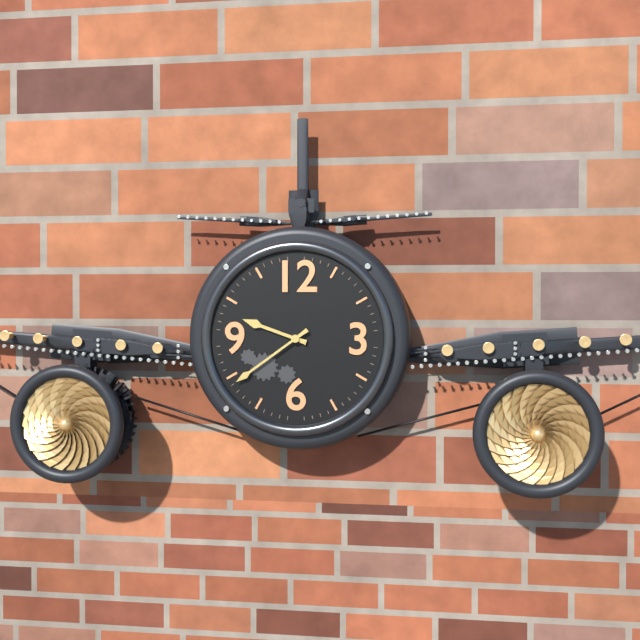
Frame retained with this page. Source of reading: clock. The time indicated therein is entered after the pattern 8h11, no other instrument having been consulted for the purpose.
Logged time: 9h39
